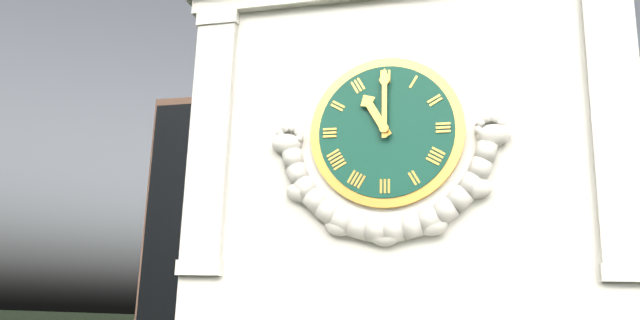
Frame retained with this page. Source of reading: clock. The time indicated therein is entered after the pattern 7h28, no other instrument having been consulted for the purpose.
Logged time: 11h00
